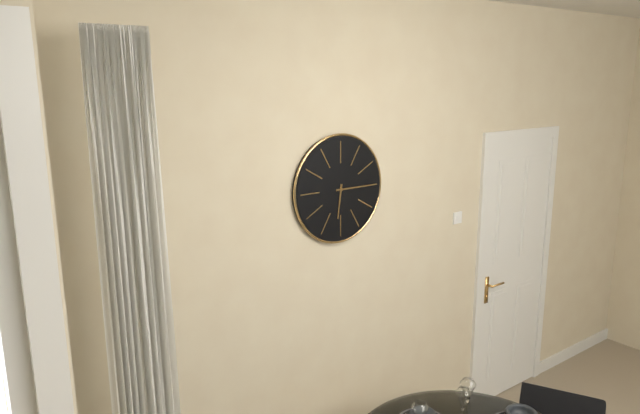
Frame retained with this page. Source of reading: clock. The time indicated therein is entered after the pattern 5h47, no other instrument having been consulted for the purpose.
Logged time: 6h15
